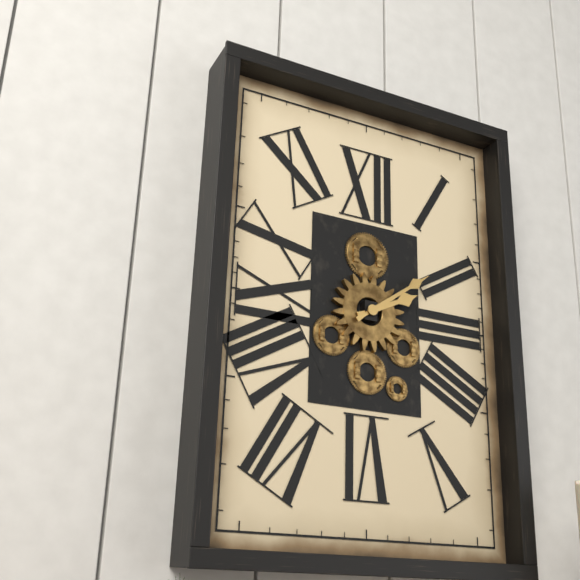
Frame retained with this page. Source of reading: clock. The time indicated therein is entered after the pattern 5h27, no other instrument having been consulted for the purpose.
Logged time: 2h09
